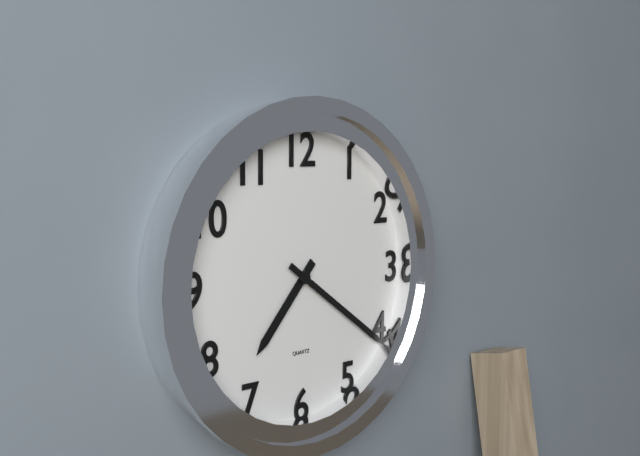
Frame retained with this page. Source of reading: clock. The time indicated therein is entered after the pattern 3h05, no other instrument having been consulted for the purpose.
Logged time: 7h21
